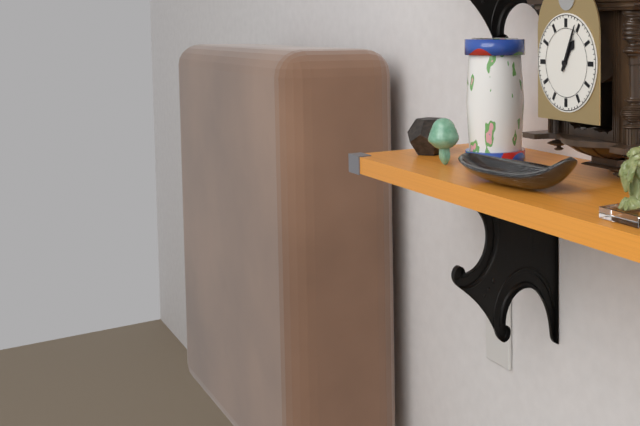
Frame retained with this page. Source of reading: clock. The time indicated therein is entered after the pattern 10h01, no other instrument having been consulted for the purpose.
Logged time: 1h04
